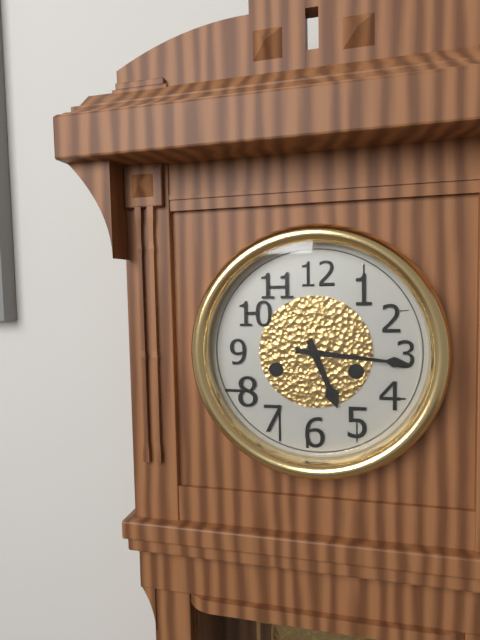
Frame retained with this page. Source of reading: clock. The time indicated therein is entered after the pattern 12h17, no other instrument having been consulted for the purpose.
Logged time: 5h16
